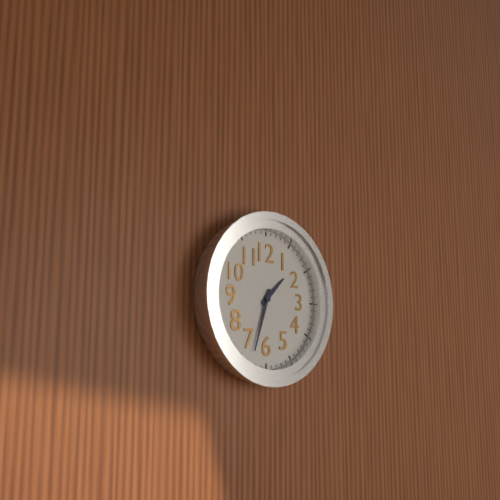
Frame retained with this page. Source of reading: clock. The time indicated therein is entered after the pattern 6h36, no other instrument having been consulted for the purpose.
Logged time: 1h33
